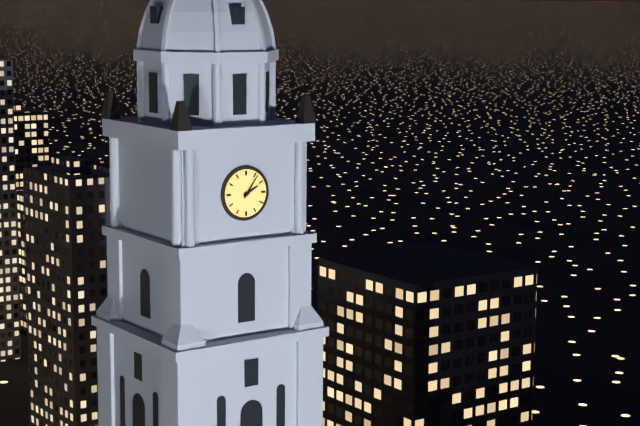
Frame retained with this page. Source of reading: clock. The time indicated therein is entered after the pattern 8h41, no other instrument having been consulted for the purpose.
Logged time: 2h06
